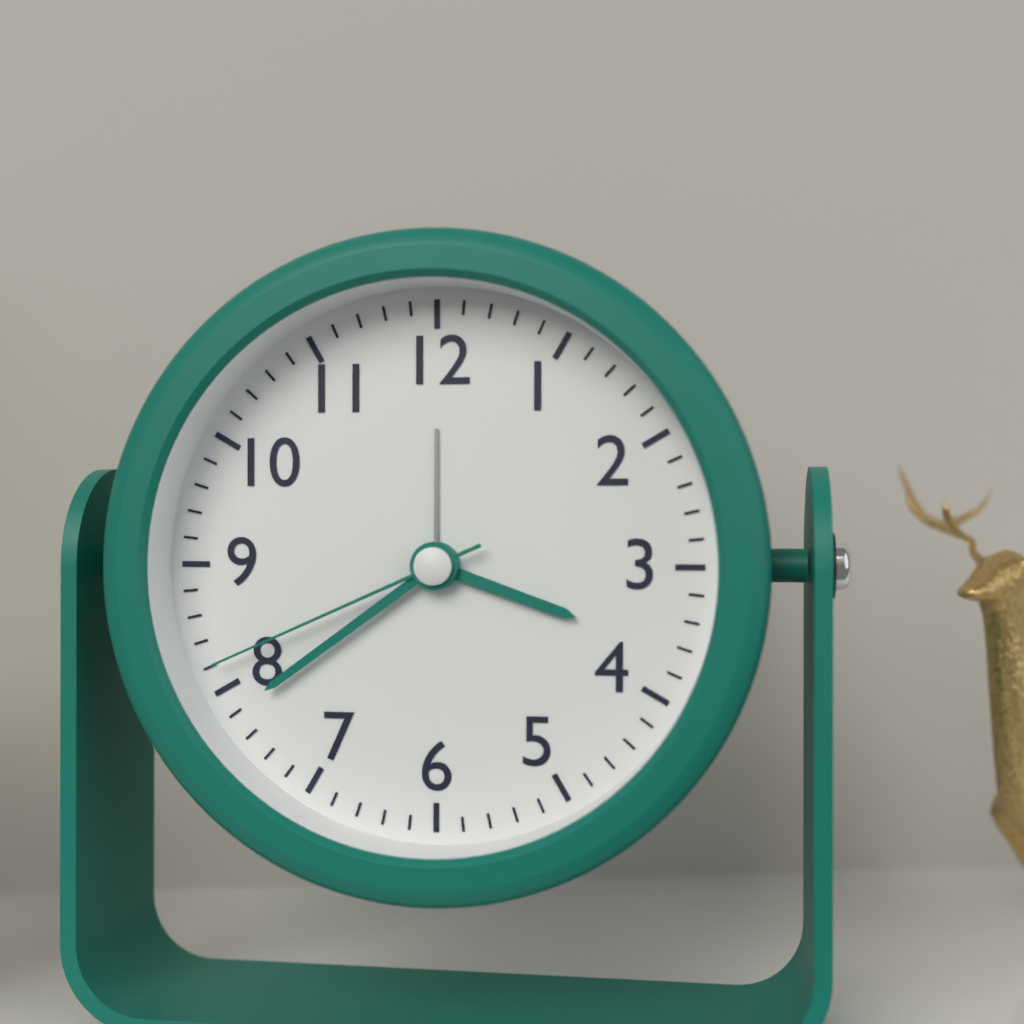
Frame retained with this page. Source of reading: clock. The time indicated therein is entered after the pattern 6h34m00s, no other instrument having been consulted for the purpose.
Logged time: 3h39m41s
